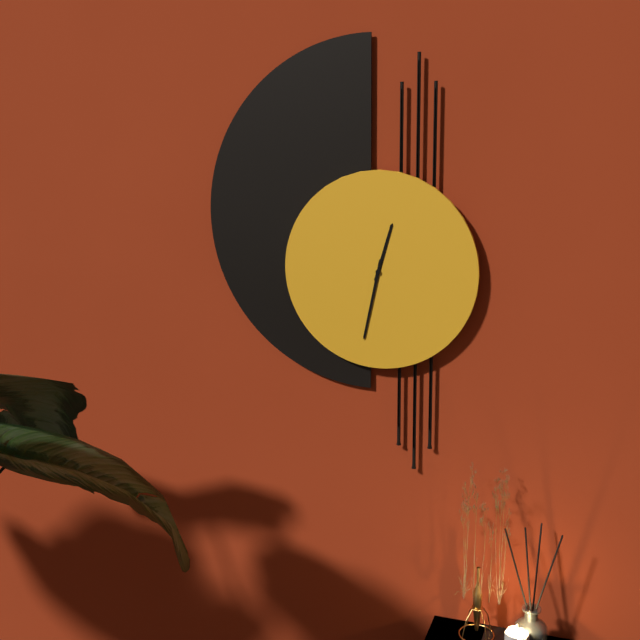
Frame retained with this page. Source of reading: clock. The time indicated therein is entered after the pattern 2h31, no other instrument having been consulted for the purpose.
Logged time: 12h32
